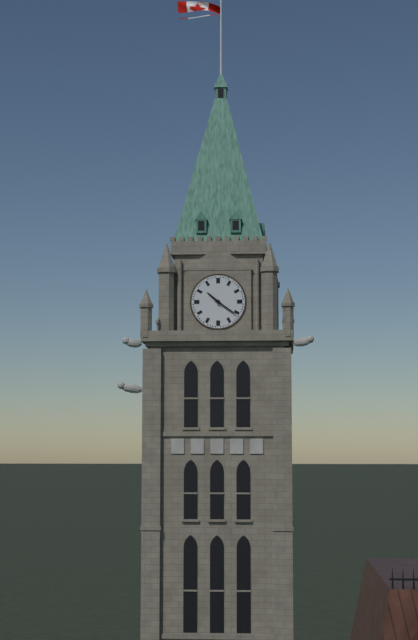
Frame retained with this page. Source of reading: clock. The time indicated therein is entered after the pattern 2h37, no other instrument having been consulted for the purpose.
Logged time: 10h21
